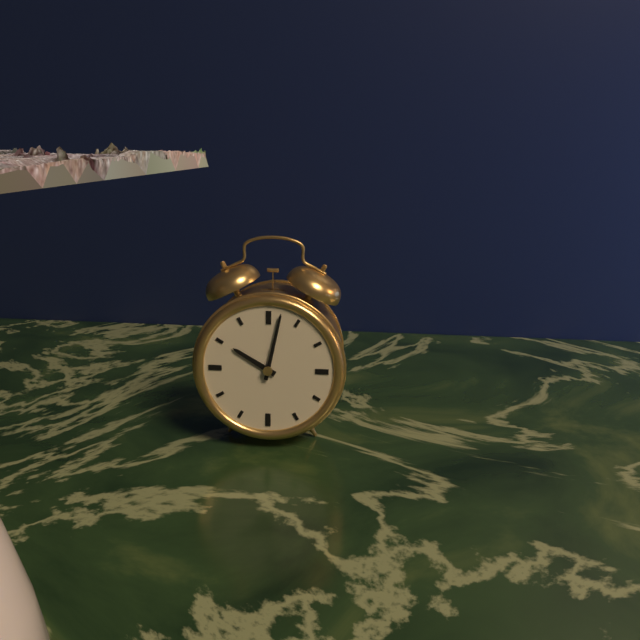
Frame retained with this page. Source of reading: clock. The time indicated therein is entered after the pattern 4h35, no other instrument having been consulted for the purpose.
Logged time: 10h02
